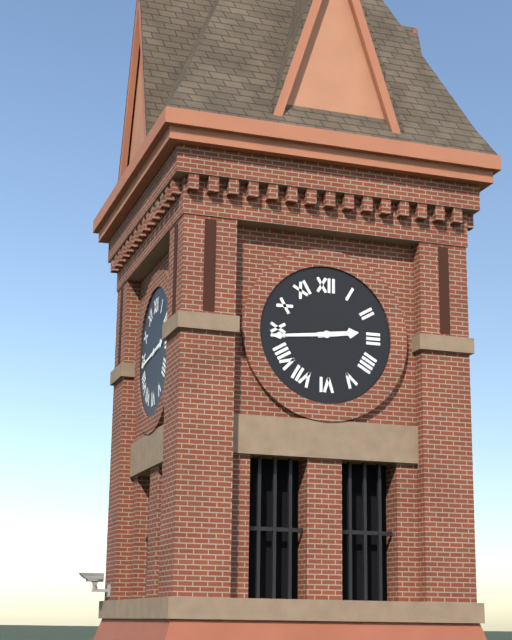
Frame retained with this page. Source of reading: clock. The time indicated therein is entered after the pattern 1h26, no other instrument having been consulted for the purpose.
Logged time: 2h44
